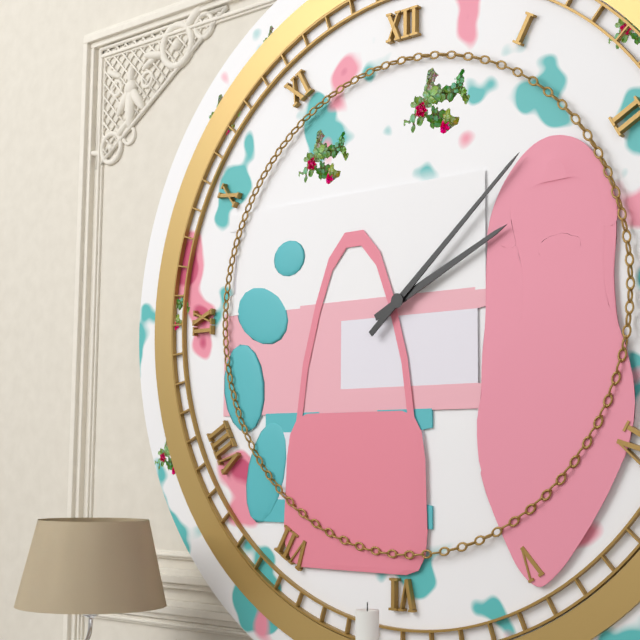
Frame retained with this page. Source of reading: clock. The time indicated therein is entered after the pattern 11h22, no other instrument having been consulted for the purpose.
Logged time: 2h08
